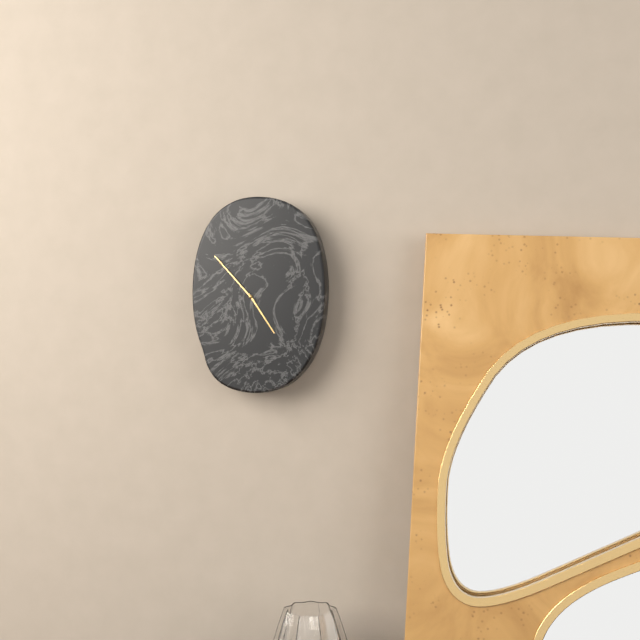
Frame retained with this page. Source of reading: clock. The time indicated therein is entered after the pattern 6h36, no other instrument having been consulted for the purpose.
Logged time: 4h53
